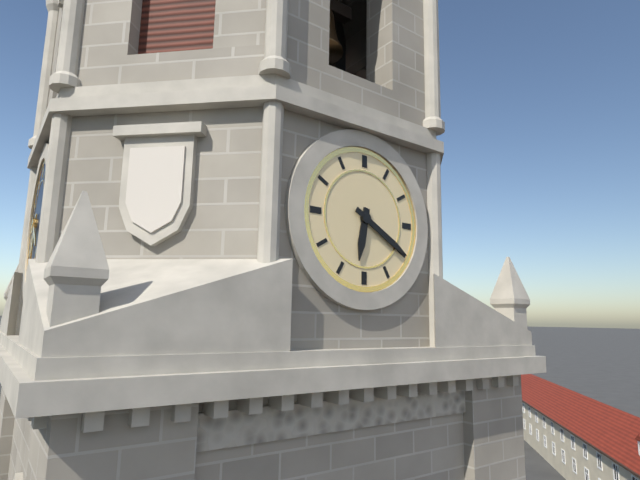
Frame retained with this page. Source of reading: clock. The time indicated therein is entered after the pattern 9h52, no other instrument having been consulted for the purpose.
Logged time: 6h20
